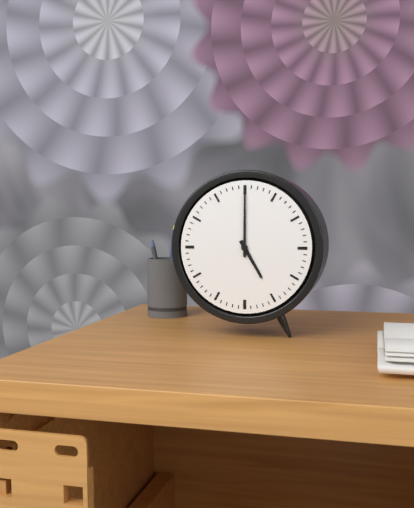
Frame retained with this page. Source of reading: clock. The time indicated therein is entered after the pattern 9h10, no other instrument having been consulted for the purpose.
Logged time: 5h00
